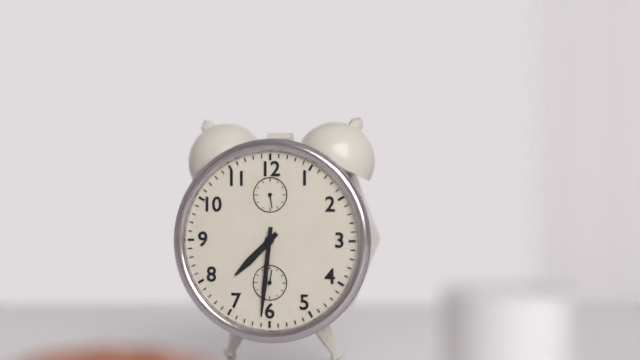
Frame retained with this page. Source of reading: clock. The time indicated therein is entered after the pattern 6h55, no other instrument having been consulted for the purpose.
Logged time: 7h31
